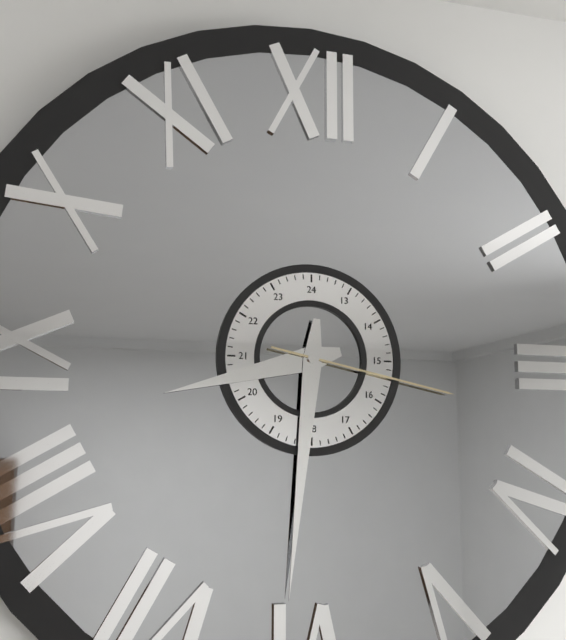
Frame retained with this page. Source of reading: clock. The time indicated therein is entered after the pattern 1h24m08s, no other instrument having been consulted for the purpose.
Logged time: 8h31m17s
